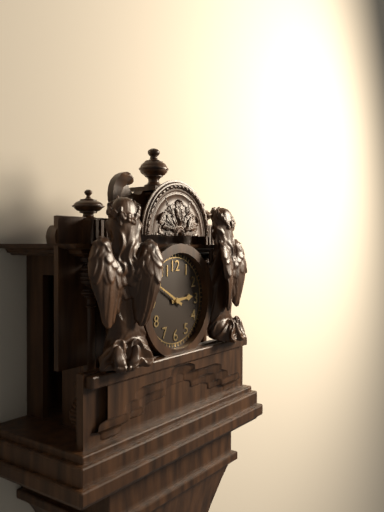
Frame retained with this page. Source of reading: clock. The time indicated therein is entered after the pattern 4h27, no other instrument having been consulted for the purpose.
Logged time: 2h50
